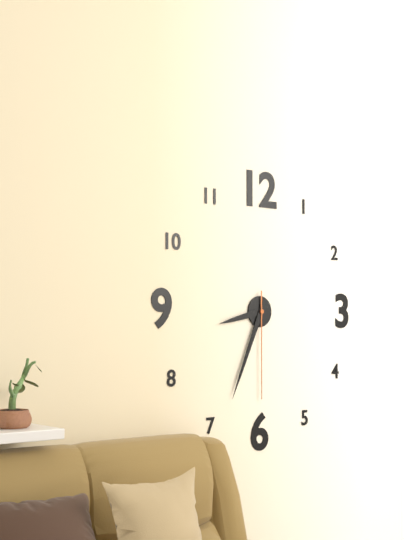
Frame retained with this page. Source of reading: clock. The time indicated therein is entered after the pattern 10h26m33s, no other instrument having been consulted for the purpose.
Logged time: 8h34m30s
